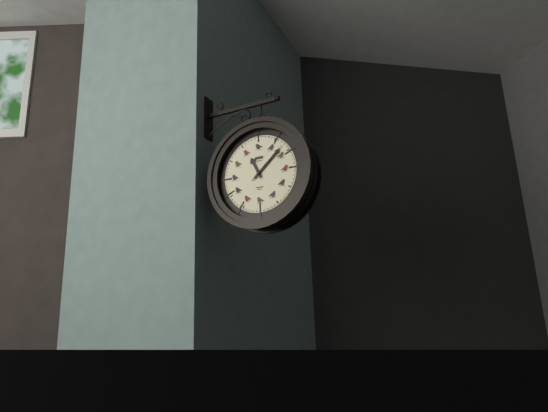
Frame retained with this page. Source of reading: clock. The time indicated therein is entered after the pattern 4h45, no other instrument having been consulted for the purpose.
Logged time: 11h08
